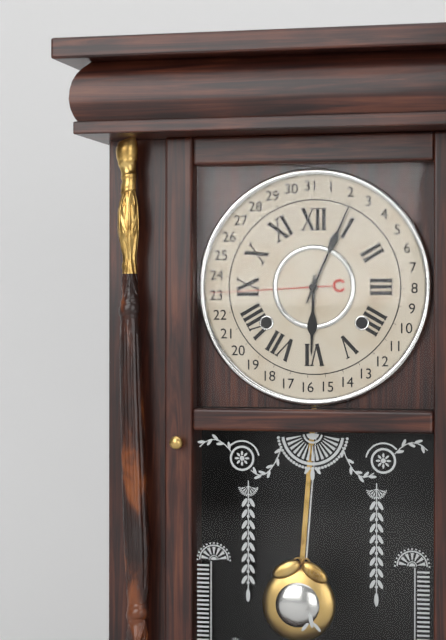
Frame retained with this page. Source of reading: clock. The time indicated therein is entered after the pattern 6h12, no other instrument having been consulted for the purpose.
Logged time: 6h04
